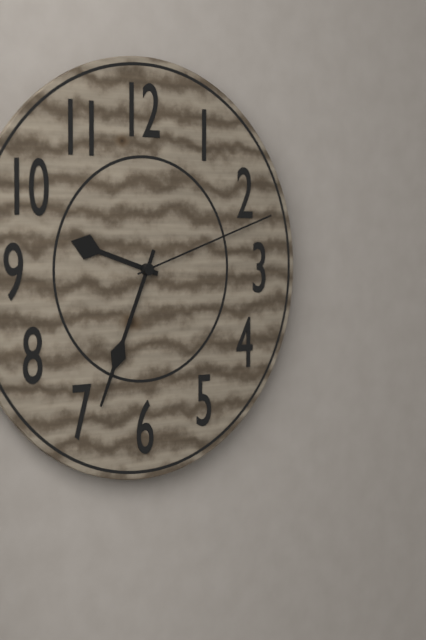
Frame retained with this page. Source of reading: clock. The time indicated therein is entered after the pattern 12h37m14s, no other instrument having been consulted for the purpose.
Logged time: 9h34m12s
